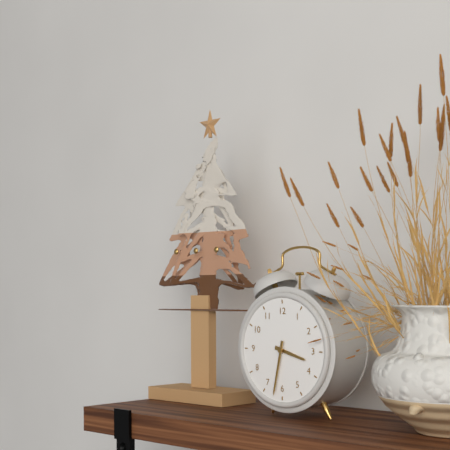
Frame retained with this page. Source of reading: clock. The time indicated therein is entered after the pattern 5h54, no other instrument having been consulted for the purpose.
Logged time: 3h32
